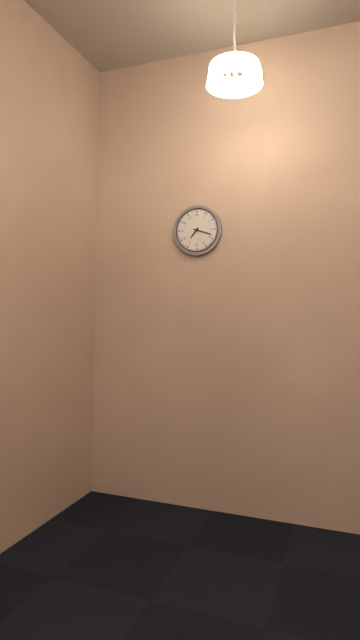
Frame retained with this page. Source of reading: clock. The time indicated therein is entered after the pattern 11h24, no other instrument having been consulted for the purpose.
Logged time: 7h18
